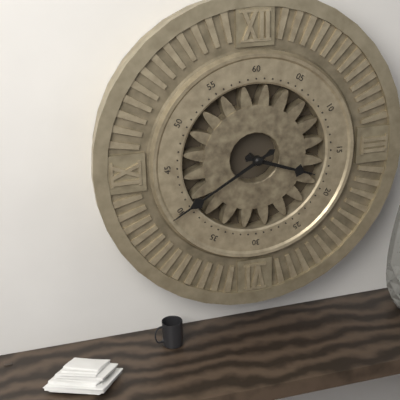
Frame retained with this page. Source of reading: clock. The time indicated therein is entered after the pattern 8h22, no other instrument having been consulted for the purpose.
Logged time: 3h40
